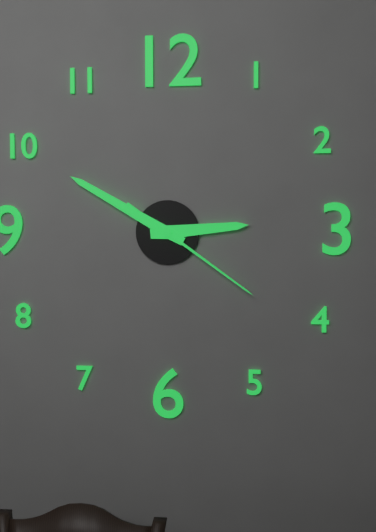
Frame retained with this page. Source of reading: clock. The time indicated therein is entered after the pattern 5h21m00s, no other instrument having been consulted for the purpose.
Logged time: 2h50m21s
